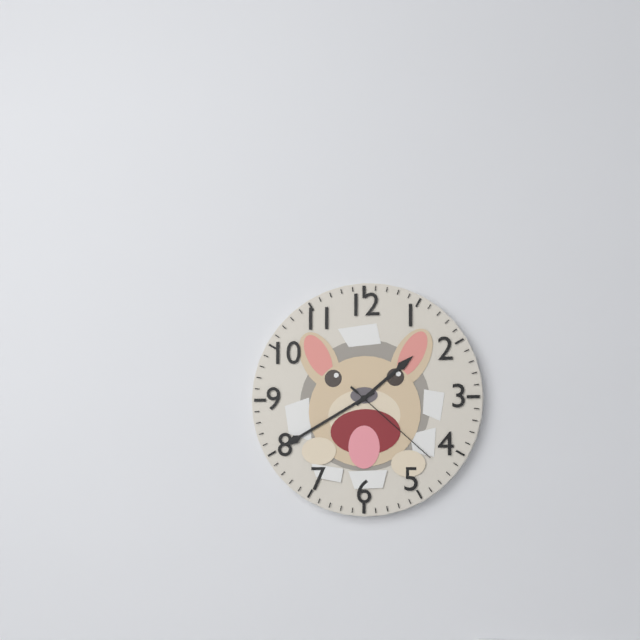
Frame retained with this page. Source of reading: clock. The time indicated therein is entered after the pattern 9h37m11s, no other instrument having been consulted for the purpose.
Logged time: 1h40m22s
